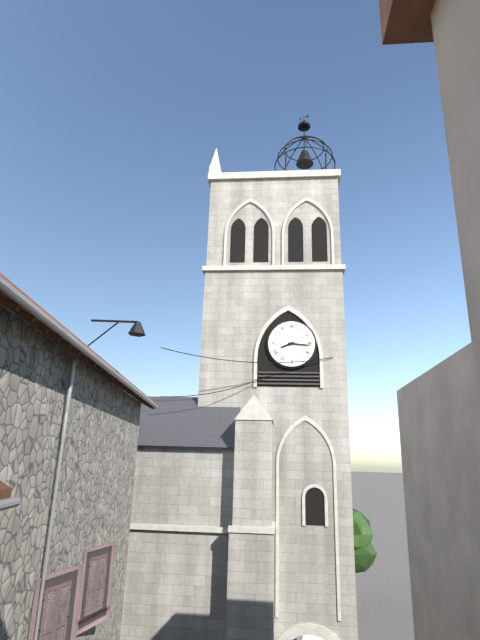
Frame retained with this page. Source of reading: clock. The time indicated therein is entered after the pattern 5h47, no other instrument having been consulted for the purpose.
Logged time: 8h16
